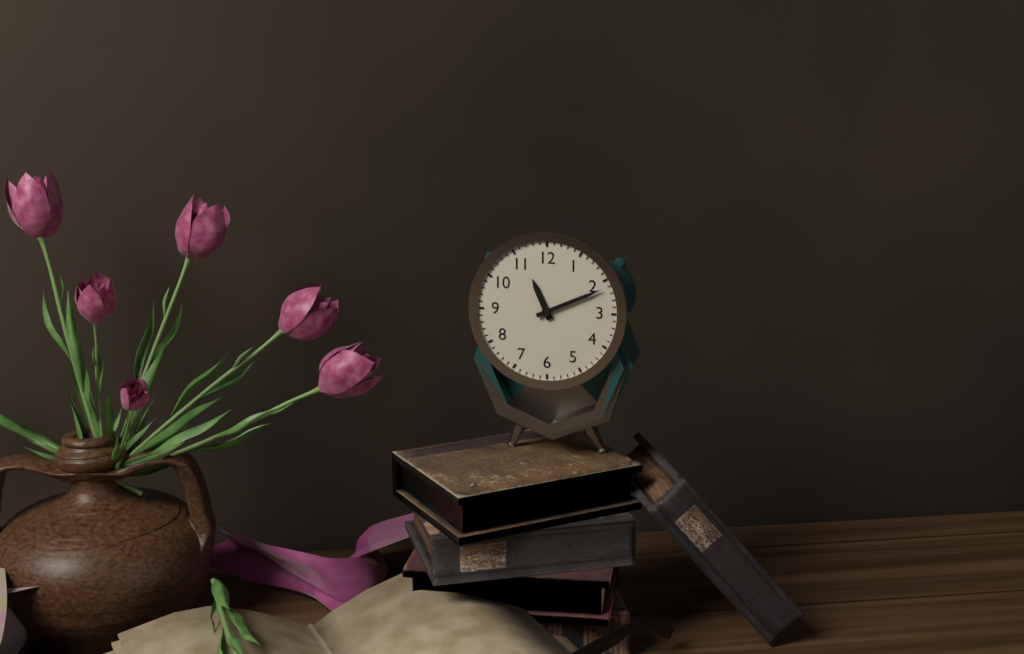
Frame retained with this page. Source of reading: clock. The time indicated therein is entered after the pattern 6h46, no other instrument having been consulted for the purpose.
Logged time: 11h11
